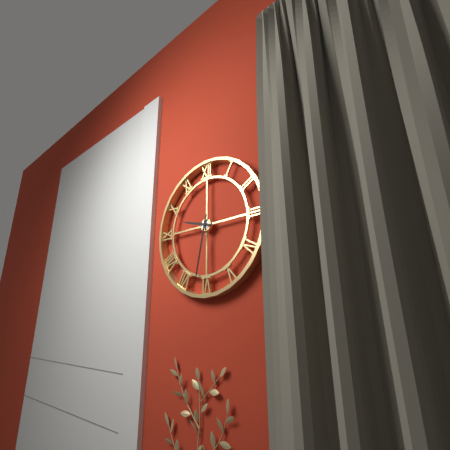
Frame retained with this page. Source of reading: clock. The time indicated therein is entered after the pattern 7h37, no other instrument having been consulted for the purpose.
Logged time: 9h32
